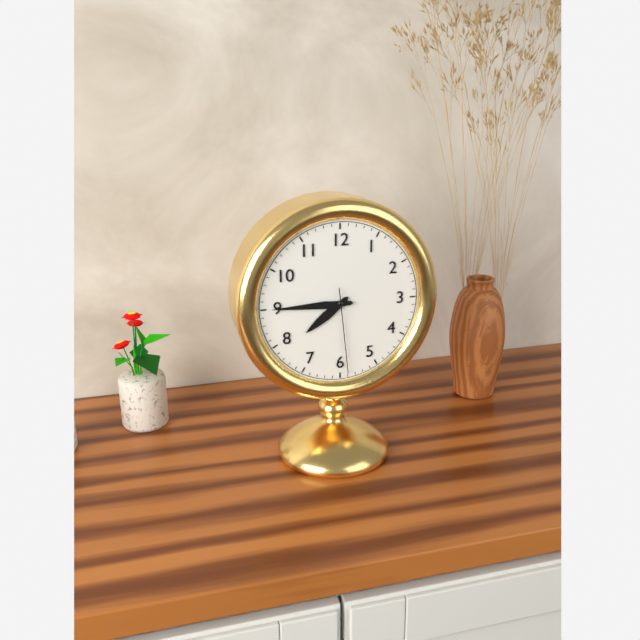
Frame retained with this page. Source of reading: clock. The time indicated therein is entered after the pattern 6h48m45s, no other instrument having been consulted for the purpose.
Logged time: 7h45m29s
